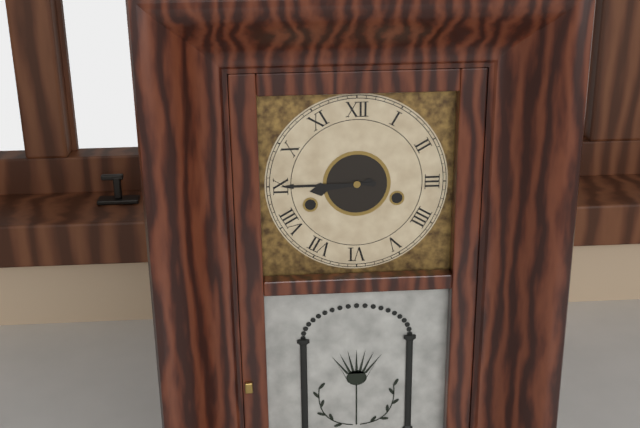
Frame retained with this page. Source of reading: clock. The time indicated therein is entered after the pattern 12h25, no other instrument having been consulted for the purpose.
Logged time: 8h45
